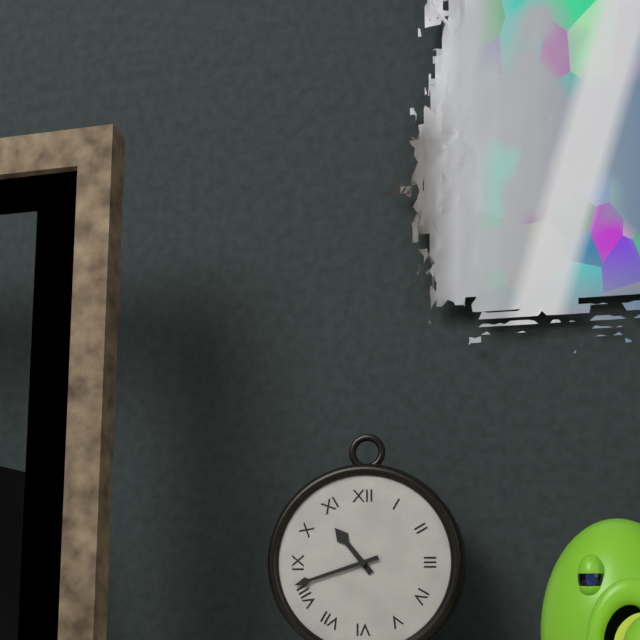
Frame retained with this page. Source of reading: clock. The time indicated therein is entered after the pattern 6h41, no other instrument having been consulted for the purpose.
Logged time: 10h42
